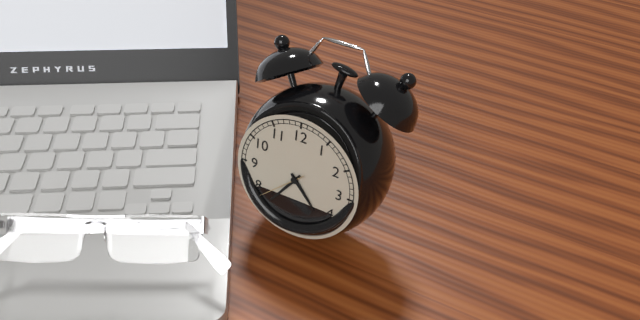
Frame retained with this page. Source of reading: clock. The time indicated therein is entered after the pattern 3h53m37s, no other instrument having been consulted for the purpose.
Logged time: 4h36m38s
